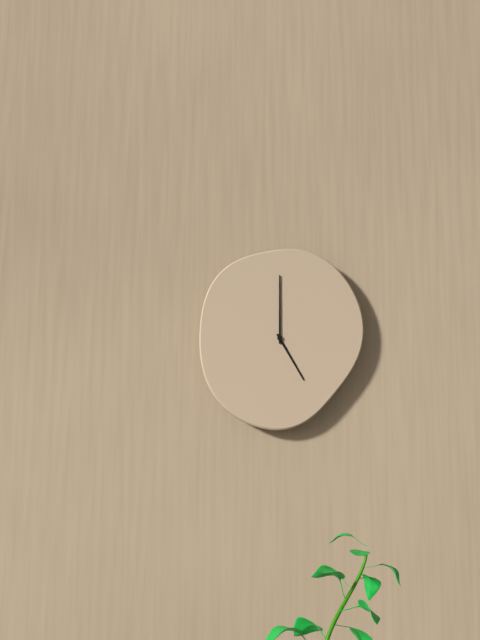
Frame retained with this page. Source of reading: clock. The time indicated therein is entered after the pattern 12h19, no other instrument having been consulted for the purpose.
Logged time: 5h00
